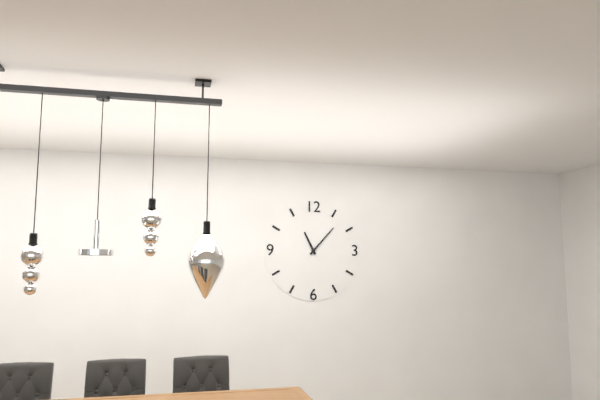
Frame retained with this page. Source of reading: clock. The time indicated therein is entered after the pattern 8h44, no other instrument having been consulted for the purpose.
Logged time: 11h07
